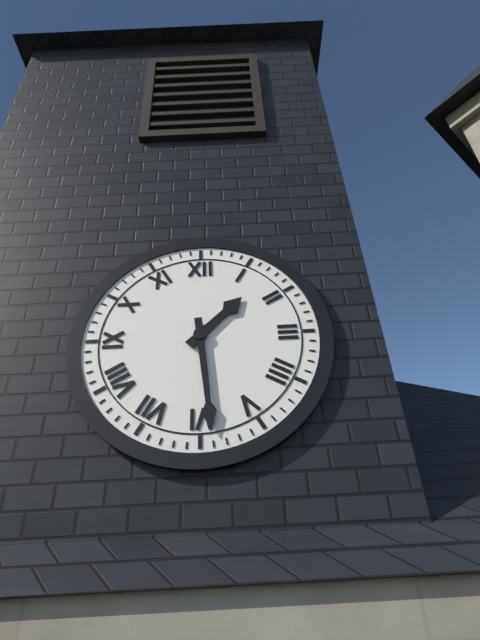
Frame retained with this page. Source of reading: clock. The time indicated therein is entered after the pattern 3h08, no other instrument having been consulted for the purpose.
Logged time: 1h29
